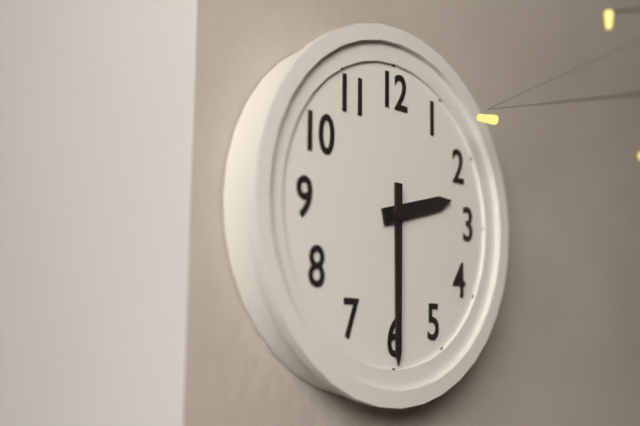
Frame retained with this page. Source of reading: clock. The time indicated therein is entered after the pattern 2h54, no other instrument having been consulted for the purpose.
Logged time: 2h30
